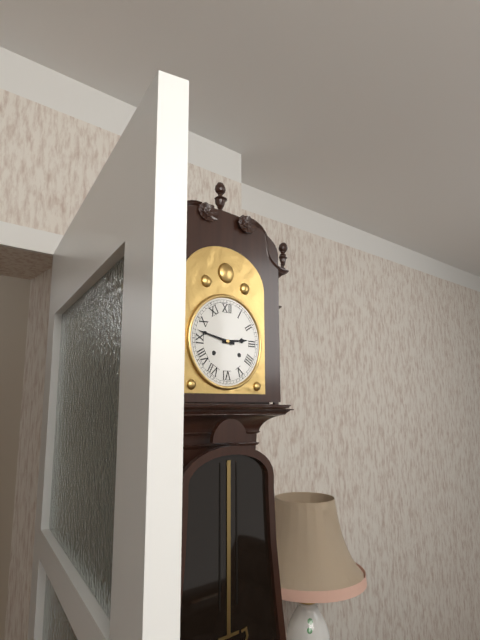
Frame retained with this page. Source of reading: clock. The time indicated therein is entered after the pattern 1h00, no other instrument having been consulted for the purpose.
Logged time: 2h47
